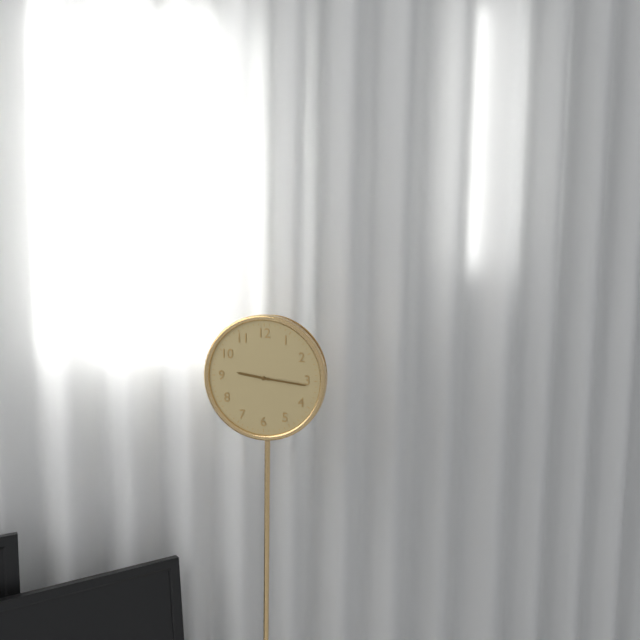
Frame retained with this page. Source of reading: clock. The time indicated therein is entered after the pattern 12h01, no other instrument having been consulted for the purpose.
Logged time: 9h16
